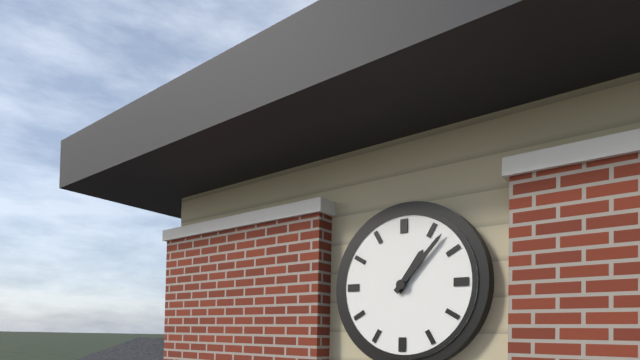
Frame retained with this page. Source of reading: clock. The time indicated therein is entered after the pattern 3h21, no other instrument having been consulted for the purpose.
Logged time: 1h07
